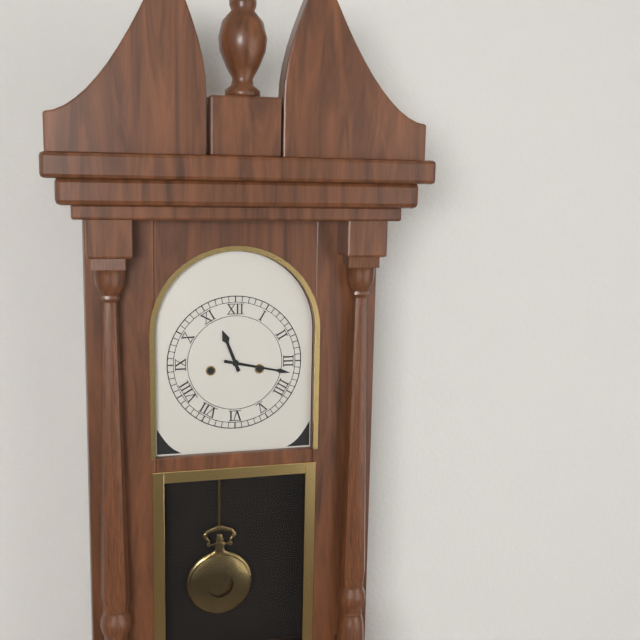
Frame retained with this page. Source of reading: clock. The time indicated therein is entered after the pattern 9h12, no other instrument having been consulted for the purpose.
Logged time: 11h17
